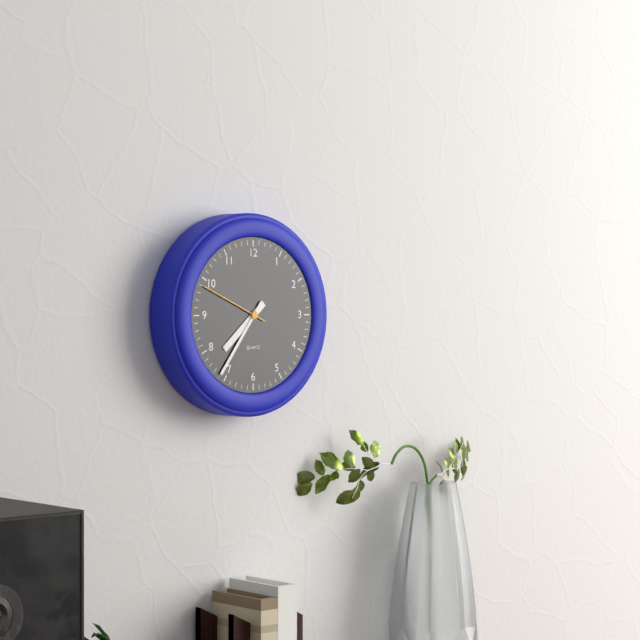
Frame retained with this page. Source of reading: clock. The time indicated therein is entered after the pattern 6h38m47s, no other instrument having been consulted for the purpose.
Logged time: 7h36m49s
